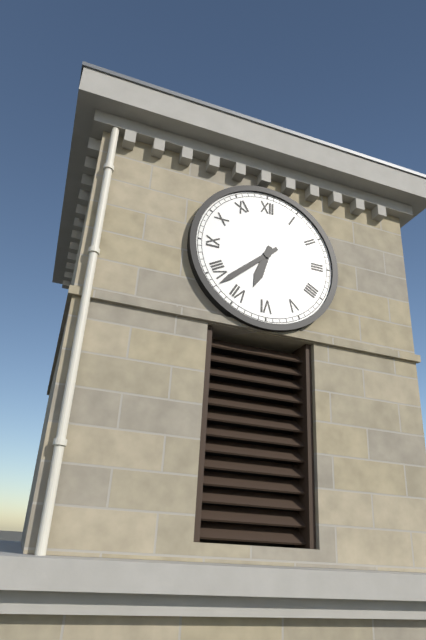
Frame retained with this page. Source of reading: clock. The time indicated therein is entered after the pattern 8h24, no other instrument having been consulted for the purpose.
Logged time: 6h38
